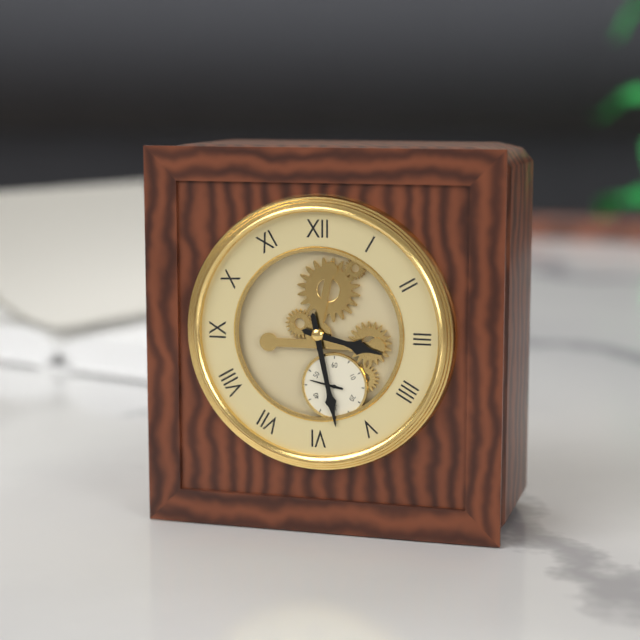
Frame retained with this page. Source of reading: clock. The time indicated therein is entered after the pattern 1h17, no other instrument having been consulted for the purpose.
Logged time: 3h28
